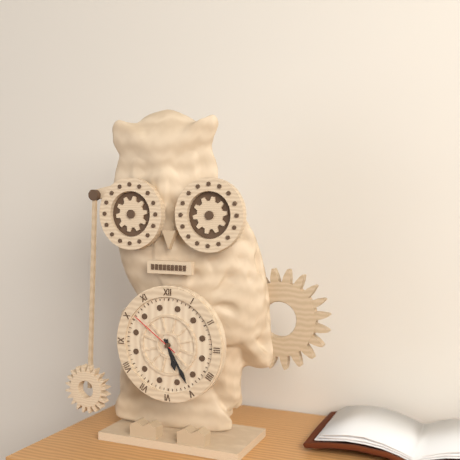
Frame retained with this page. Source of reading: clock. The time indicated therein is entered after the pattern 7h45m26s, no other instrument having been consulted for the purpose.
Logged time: 5h25m51s
